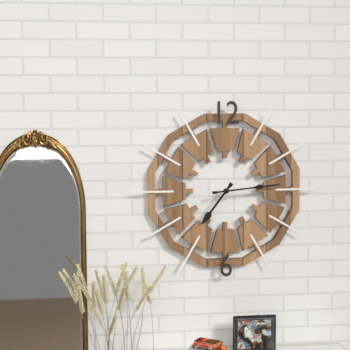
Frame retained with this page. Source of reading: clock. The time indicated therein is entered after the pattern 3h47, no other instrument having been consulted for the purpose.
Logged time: 7h14
